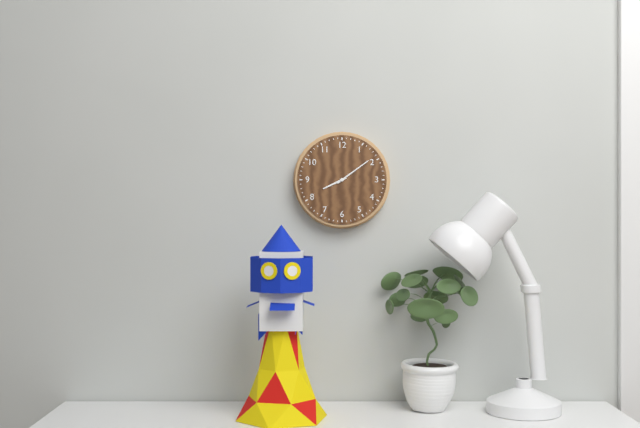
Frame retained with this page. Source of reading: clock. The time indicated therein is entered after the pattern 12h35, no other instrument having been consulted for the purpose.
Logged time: 8h09
